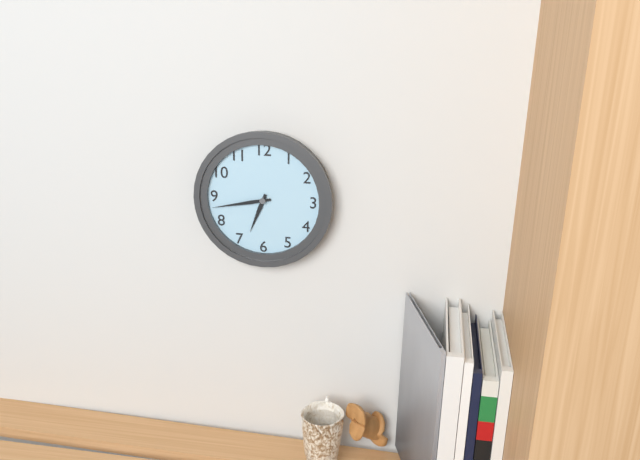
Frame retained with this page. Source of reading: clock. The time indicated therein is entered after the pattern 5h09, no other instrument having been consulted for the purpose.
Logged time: 6h43
